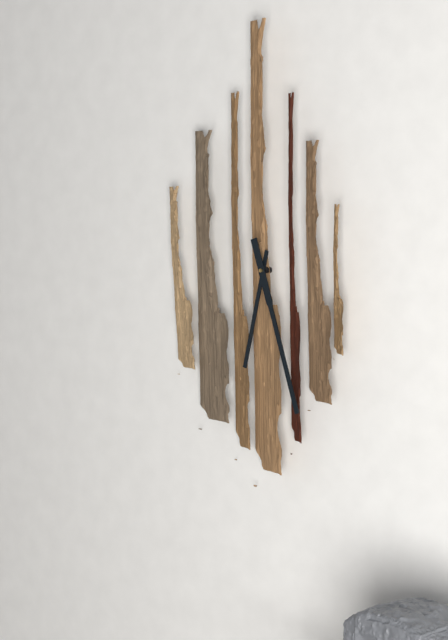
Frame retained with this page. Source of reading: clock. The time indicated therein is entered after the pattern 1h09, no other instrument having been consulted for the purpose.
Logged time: 6h27
